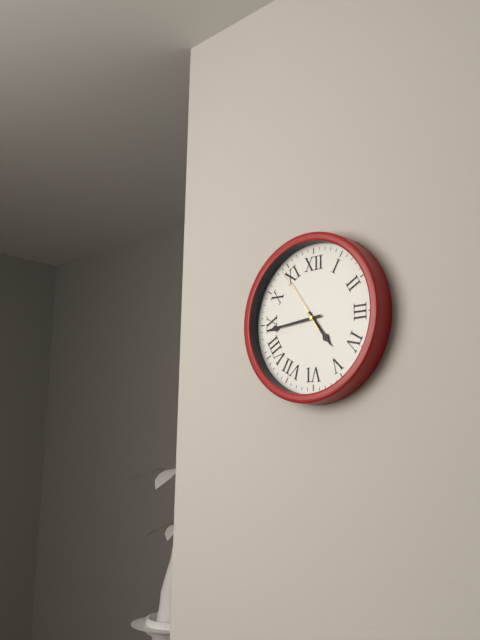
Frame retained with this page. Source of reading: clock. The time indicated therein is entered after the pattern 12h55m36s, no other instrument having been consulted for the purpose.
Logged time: 4h44m54s
